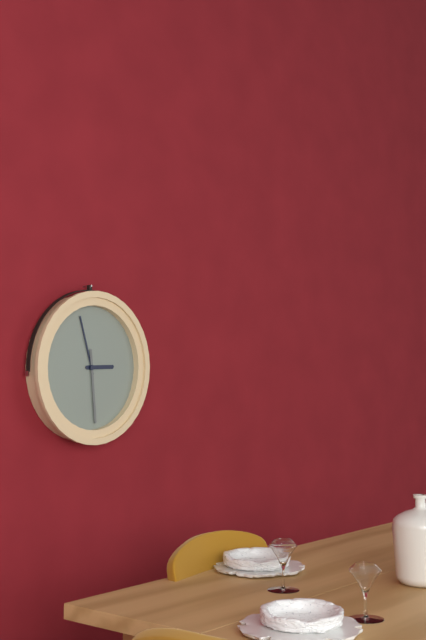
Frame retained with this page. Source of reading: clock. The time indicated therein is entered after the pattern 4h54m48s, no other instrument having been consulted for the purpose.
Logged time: 2h57m29s
